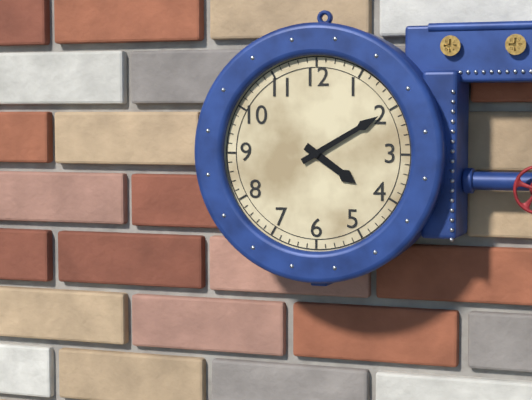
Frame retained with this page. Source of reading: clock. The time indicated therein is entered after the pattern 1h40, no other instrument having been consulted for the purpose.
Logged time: 4h10
